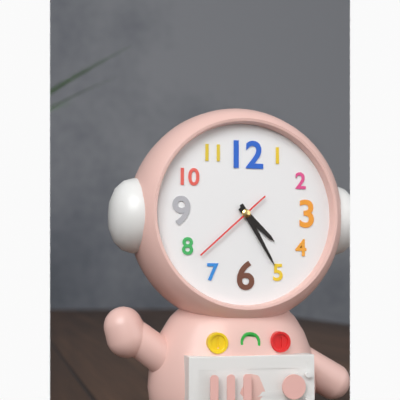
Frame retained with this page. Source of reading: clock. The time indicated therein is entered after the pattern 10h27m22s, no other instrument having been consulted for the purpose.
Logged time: 4h25m38s
